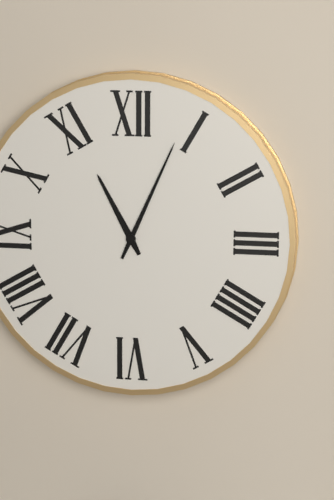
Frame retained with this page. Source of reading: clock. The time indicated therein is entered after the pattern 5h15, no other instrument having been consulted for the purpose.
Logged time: 11h04
